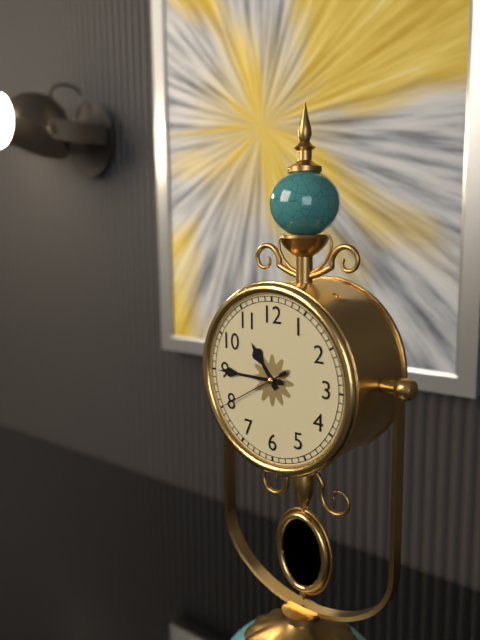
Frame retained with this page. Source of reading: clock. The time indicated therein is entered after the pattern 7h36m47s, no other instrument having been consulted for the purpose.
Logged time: 10h45m40s
